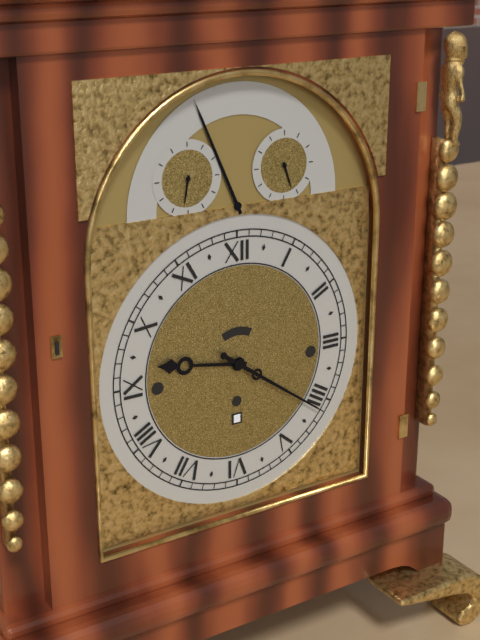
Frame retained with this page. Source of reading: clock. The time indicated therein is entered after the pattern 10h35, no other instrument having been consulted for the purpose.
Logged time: 9h21
